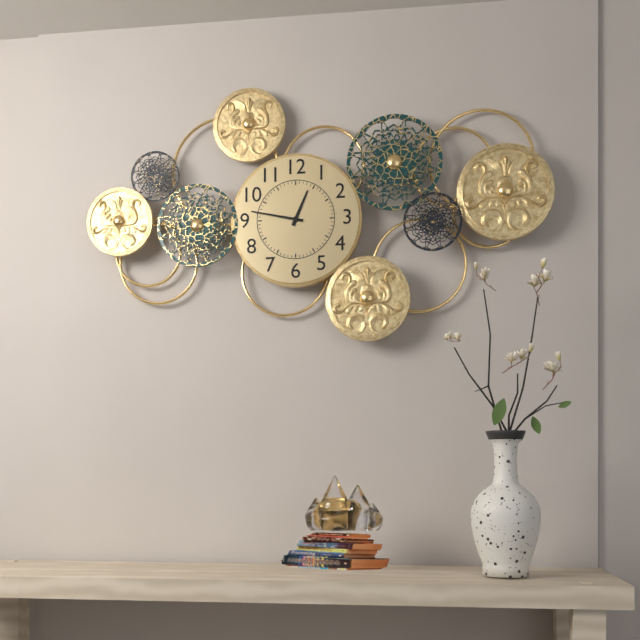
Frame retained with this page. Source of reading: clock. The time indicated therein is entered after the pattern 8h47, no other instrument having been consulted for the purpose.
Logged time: 12h47
